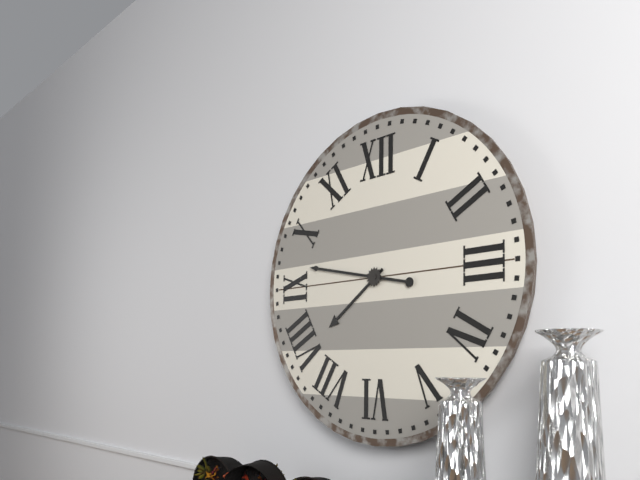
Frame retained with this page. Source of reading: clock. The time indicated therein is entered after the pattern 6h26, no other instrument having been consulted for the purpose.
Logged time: 7h47
